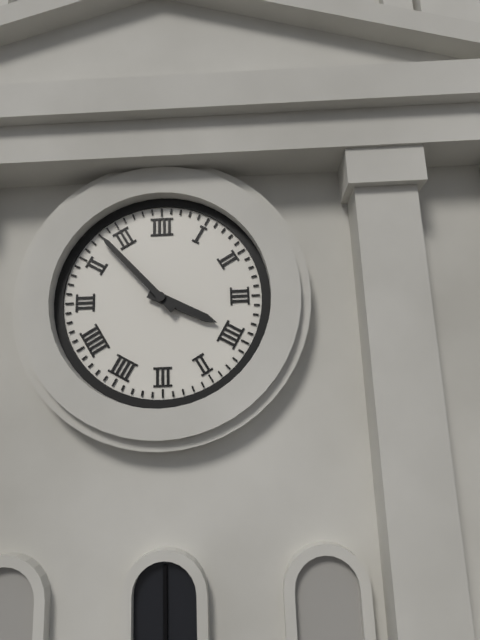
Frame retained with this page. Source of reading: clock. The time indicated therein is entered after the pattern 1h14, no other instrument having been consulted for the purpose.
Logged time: 3h53
